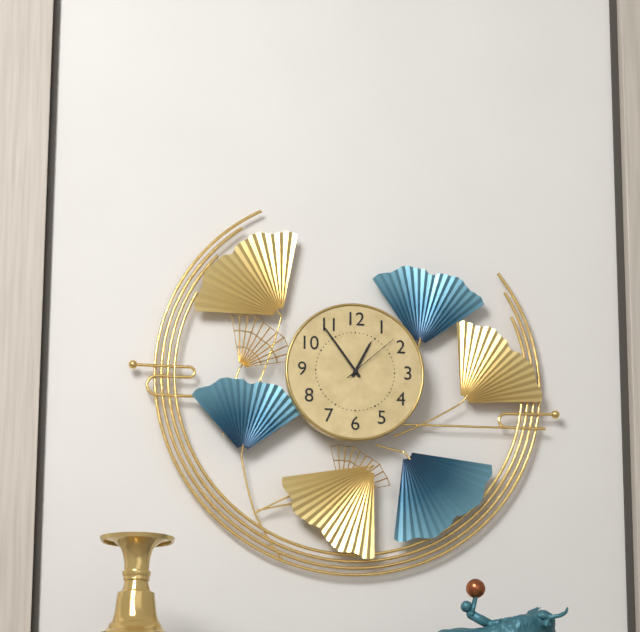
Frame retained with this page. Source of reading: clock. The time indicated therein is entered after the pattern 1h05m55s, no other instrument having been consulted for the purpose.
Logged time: 12h54m08s
